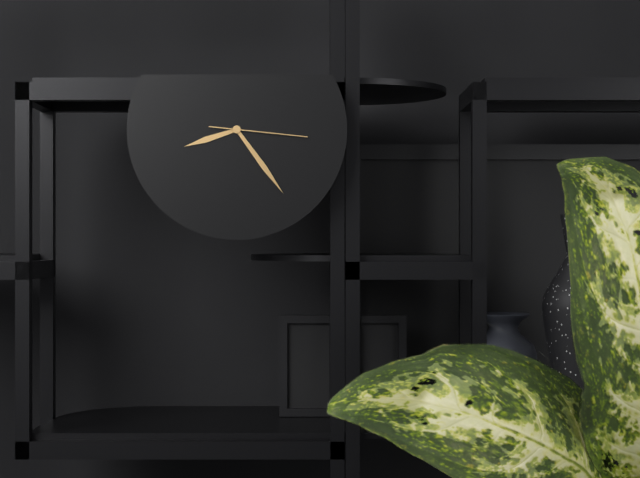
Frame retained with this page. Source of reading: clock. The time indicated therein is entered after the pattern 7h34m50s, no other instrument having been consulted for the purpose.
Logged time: 8h24m16s
